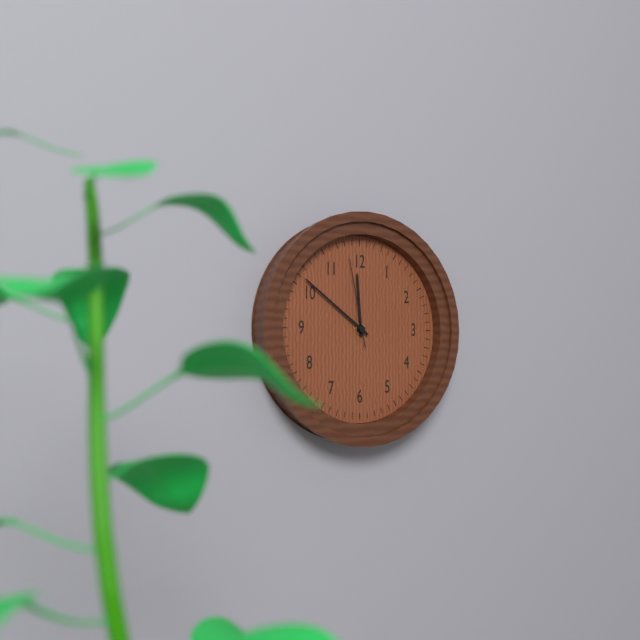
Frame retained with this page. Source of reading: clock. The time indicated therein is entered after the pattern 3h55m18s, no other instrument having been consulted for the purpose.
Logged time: 11h51m58s
